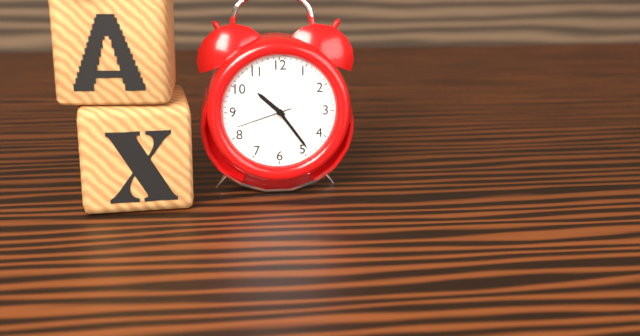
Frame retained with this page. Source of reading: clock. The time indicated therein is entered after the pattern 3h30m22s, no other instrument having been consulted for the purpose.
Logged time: 10h24m42s
